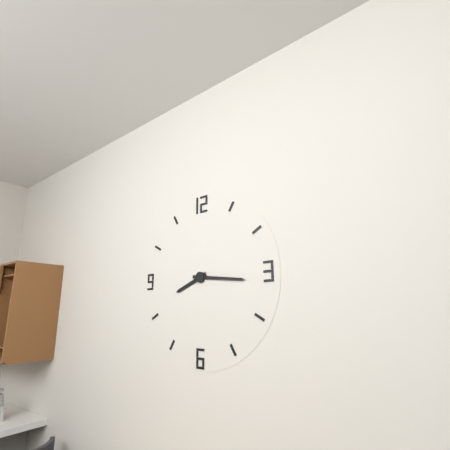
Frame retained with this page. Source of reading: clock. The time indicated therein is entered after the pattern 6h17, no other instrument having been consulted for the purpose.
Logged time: 8h16
